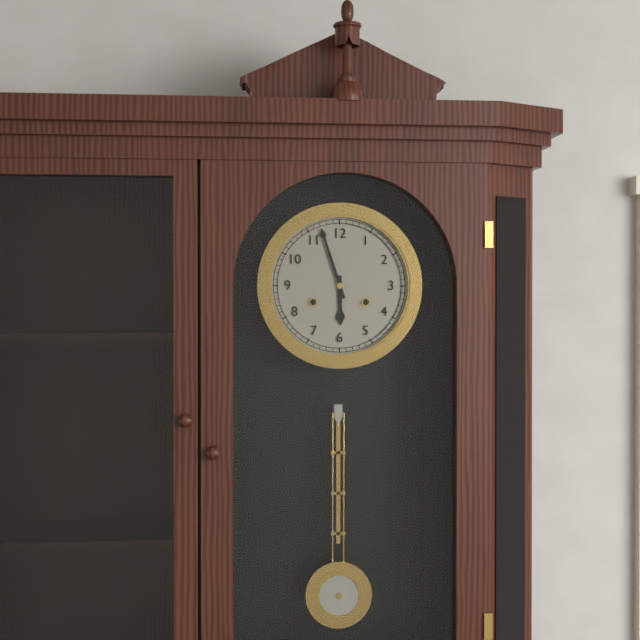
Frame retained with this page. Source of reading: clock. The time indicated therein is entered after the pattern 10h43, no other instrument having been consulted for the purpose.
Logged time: 5h57
